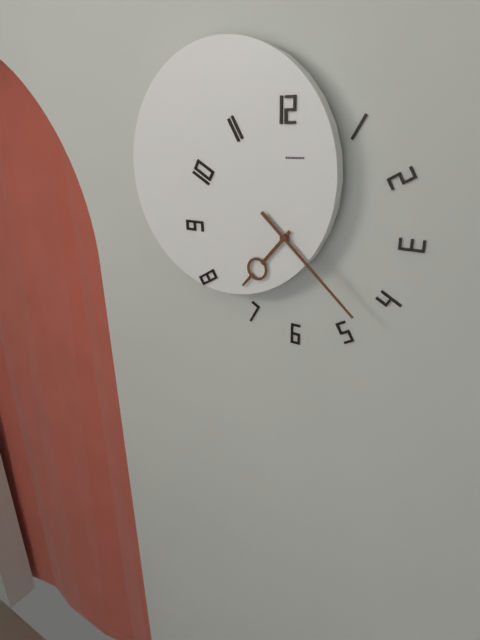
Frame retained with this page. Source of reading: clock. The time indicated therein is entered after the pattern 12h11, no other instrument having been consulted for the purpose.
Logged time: 7h22
